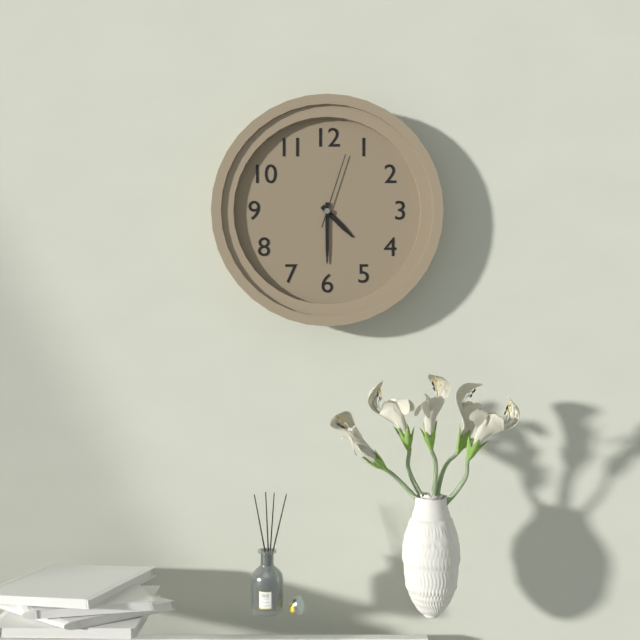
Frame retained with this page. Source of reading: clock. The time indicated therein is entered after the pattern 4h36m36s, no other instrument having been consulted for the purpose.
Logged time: 4h30m03s
